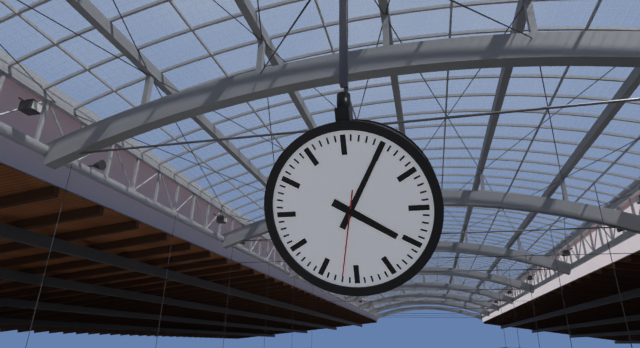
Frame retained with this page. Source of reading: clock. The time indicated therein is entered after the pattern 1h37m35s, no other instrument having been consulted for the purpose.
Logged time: 4h05m32s
